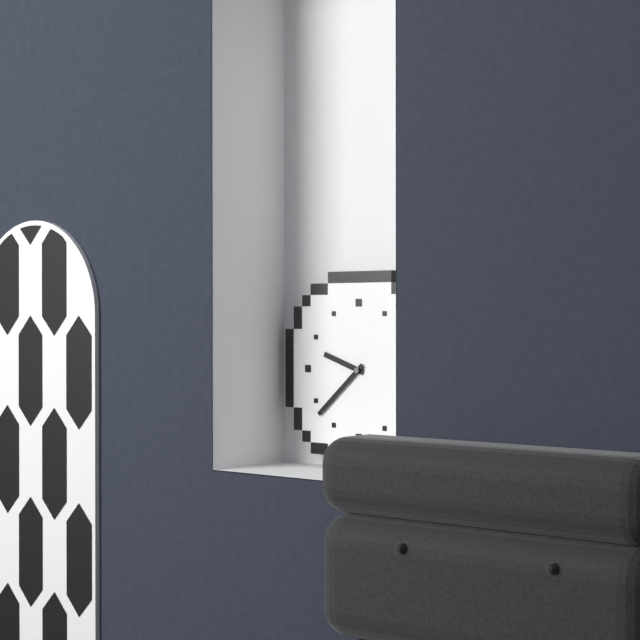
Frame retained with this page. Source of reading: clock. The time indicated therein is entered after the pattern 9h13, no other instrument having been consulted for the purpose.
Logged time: 9h38
